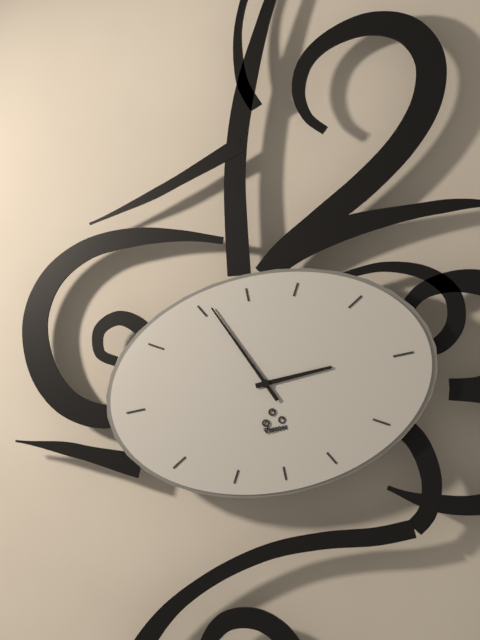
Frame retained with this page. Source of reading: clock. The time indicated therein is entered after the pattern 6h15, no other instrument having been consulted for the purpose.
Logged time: 2h56
